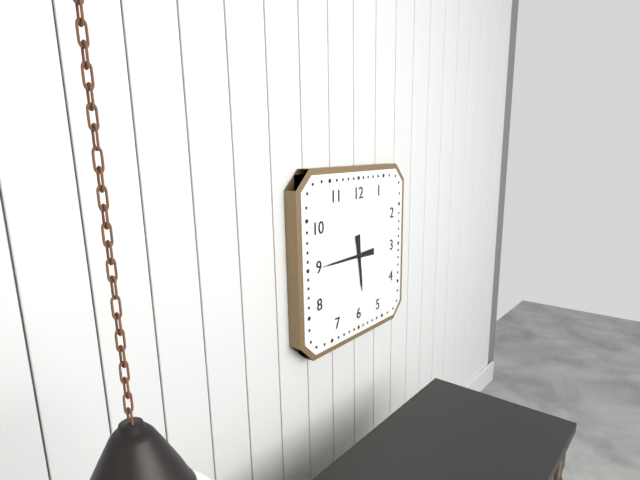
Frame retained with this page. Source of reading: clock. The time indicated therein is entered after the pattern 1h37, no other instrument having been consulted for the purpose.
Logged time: 5h45
